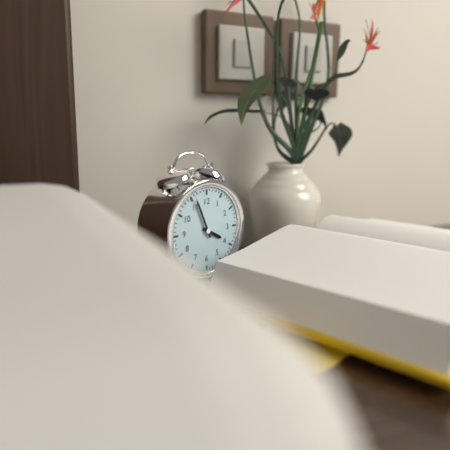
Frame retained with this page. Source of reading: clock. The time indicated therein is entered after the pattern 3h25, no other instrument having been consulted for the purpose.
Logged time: 3h56
